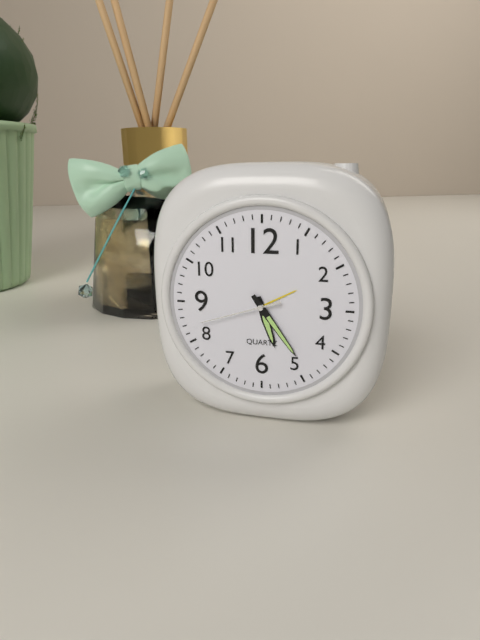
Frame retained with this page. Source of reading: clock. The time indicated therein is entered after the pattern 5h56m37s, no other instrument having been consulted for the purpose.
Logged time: 5h24m42s
